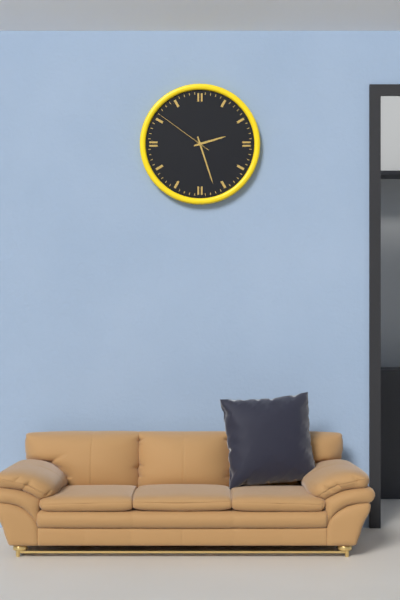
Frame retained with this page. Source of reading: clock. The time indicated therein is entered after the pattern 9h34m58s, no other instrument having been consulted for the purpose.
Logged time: 2h27m51s
